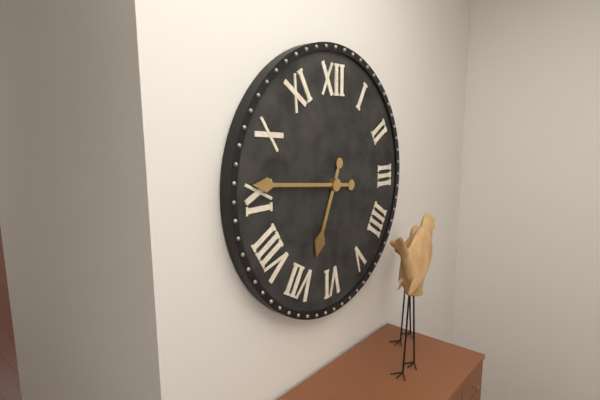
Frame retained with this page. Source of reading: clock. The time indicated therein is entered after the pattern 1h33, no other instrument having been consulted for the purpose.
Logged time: 6h46
